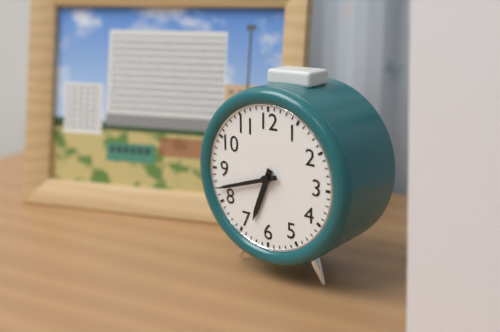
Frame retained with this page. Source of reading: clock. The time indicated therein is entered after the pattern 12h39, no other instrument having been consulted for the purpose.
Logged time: 6h42
